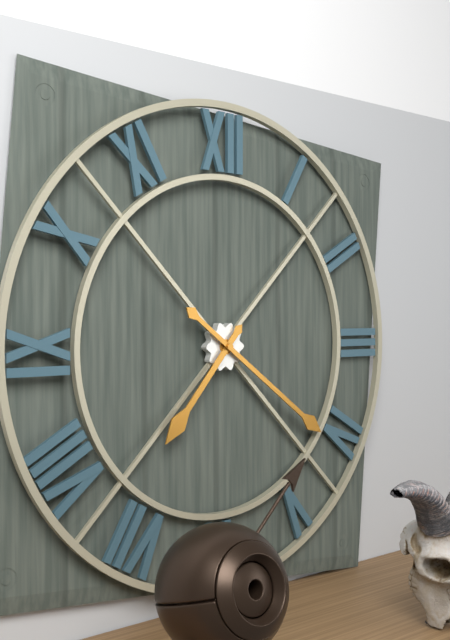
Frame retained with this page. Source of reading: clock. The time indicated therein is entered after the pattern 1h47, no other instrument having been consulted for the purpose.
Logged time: 7h21
